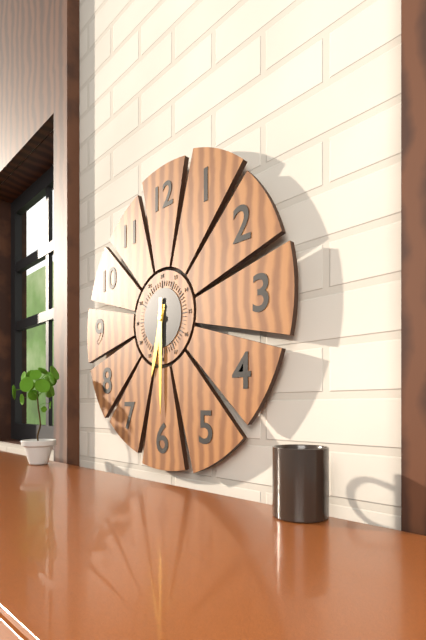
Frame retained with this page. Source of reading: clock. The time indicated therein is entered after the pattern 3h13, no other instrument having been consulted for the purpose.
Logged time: 6h30
